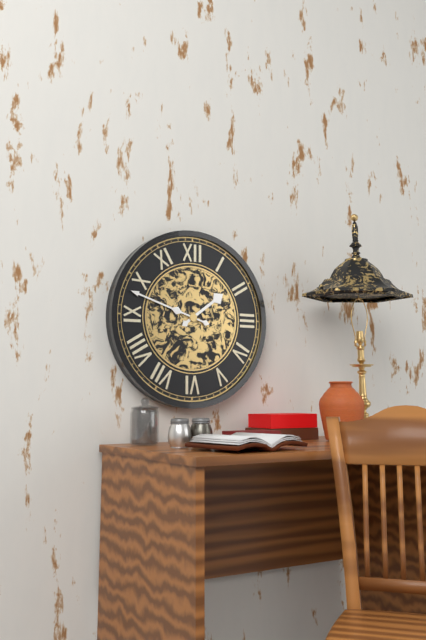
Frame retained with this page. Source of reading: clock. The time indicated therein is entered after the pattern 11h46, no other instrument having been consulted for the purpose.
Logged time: 1h48
